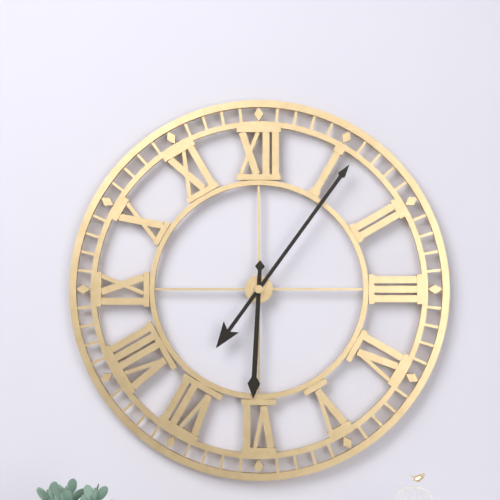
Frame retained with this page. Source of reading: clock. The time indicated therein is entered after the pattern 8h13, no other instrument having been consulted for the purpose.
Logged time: 6h06
